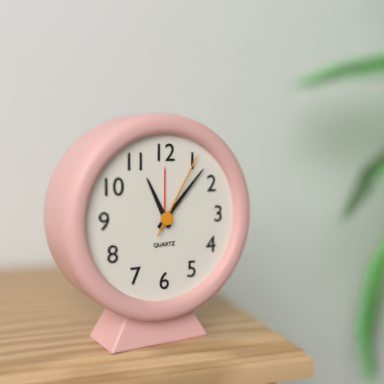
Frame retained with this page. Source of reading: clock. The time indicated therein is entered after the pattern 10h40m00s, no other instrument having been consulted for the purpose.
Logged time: 11h07m05s
